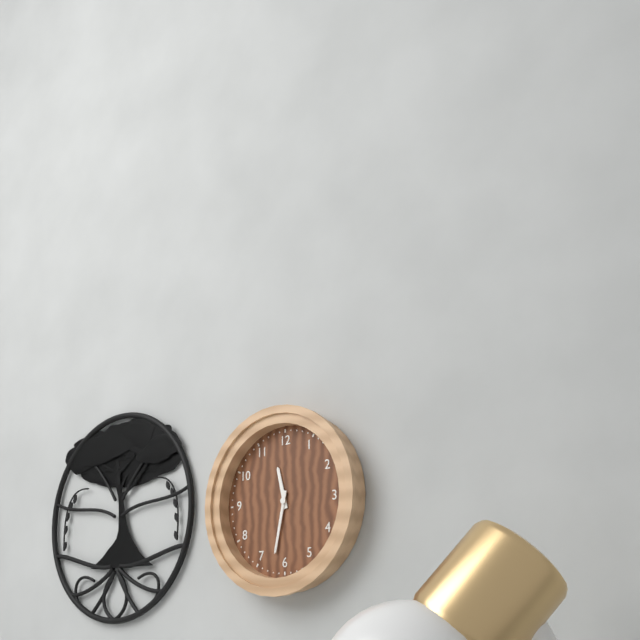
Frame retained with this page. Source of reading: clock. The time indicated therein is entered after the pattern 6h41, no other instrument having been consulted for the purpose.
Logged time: 11h32
